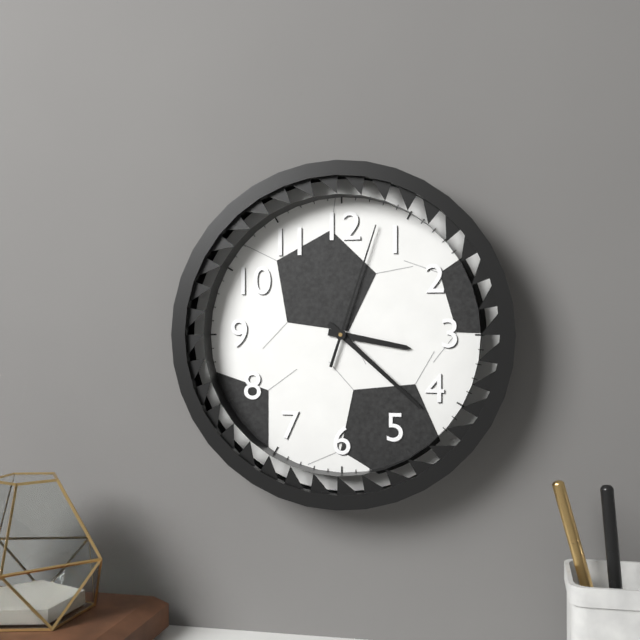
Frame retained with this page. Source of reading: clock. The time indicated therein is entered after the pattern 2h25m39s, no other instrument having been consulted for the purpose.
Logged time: 3h22m03s
